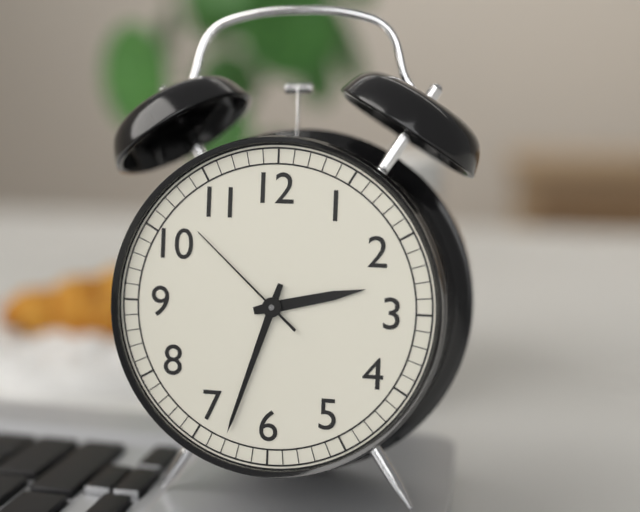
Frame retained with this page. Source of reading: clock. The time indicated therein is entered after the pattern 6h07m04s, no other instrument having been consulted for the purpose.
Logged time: 2h33m52s
